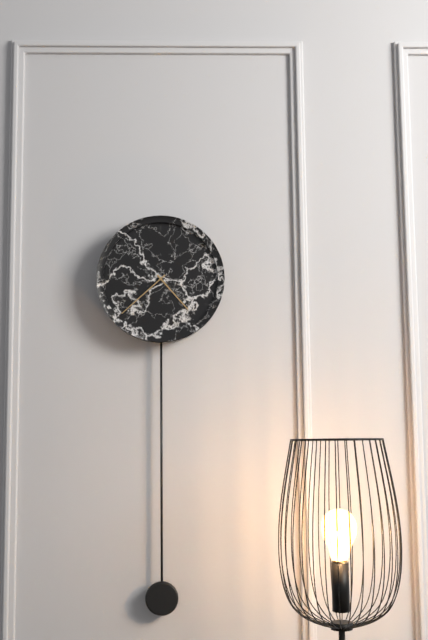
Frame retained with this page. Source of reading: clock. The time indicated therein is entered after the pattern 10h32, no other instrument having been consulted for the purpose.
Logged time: 4h38
